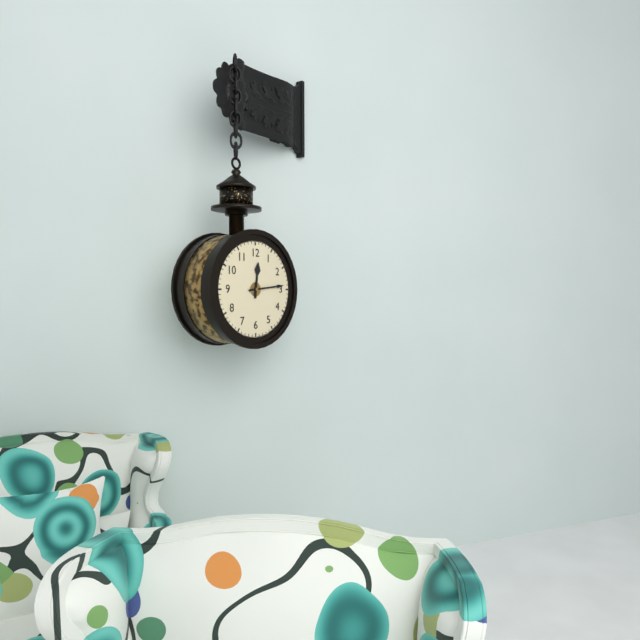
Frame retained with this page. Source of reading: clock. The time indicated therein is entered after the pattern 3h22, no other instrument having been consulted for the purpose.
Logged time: 12h14
